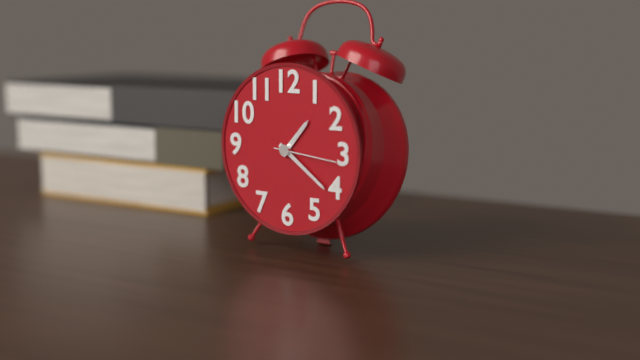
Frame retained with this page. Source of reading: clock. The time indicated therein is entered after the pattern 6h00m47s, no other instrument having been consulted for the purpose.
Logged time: 1h21m16s
